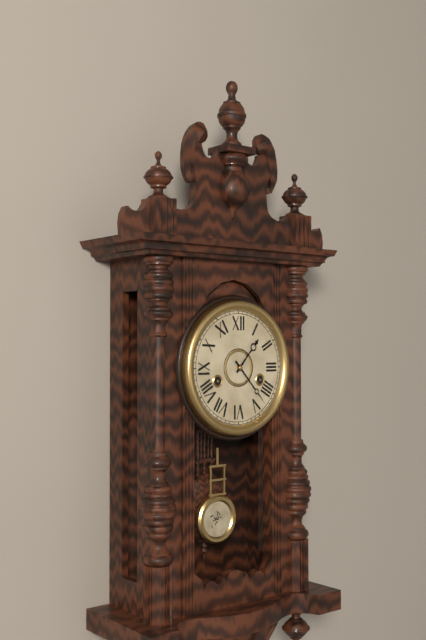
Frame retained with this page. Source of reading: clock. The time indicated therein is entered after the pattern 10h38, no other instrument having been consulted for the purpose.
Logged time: 1h23
